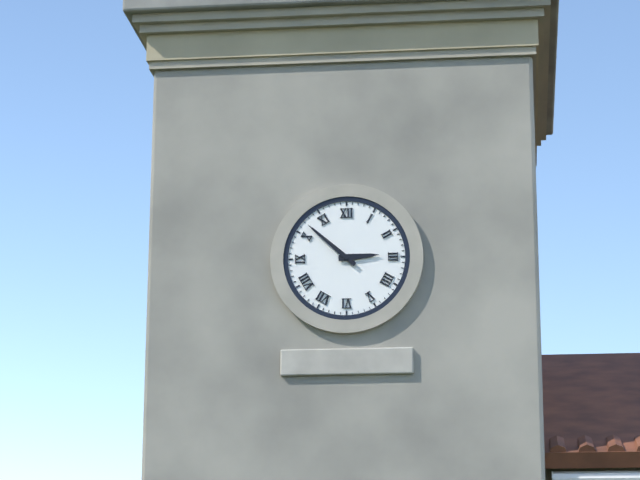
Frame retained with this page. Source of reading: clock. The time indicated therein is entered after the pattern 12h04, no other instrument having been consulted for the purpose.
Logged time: 2h52
